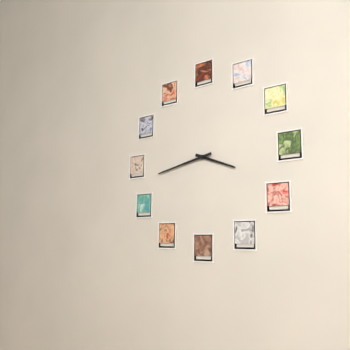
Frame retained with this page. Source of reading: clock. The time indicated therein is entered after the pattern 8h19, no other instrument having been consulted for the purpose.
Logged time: 3h43
